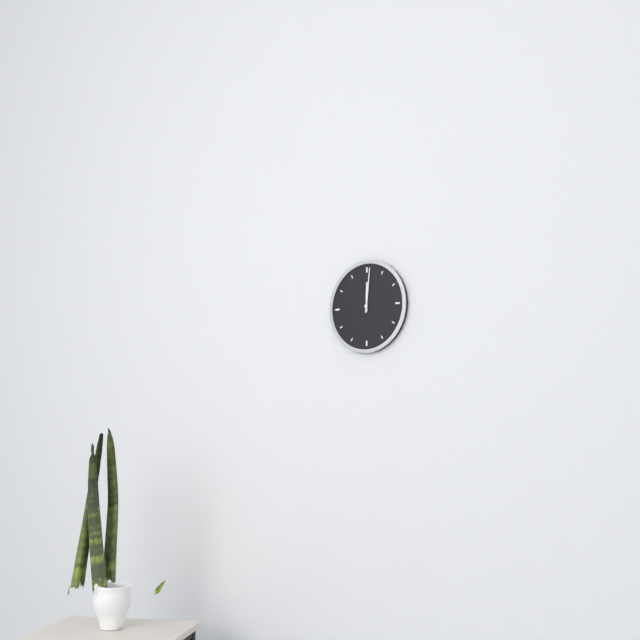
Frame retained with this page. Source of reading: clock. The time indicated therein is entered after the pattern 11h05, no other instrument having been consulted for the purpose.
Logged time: 12h01
